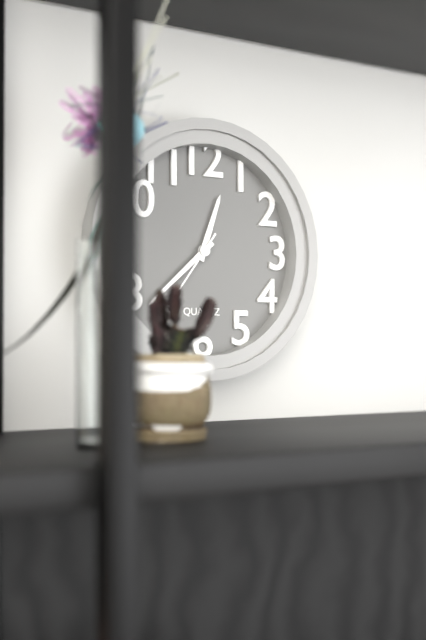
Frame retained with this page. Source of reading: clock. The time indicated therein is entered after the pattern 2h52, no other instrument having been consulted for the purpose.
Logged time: 12h38
